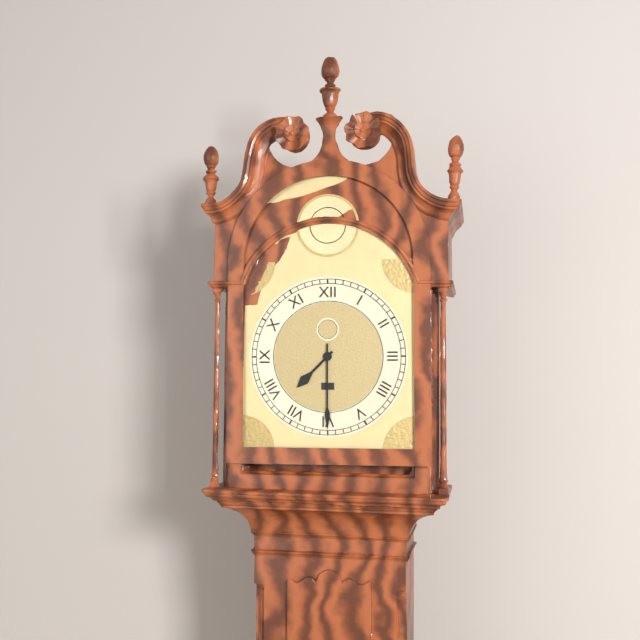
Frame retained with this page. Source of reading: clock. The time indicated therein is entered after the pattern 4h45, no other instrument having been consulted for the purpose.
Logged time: 7h30
